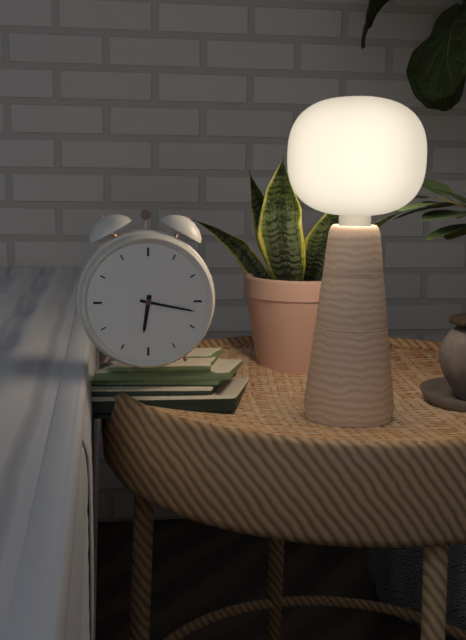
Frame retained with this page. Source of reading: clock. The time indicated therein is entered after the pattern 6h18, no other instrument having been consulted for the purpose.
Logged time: 6h17
